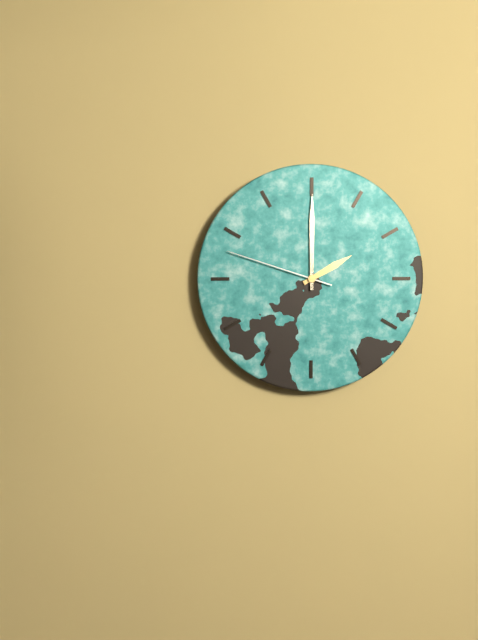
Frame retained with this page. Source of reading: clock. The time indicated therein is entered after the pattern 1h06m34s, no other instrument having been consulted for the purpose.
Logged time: 2h00m48s
